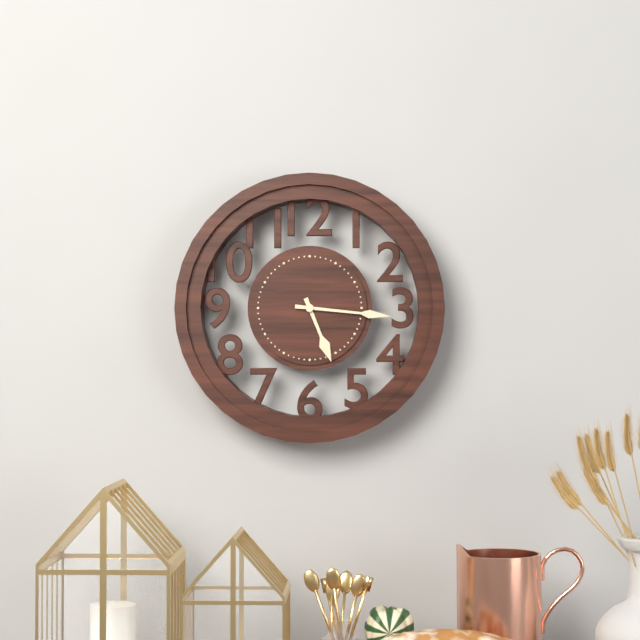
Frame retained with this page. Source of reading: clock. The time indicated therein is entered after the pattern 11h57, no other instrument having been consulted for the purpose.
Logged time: 5h16
